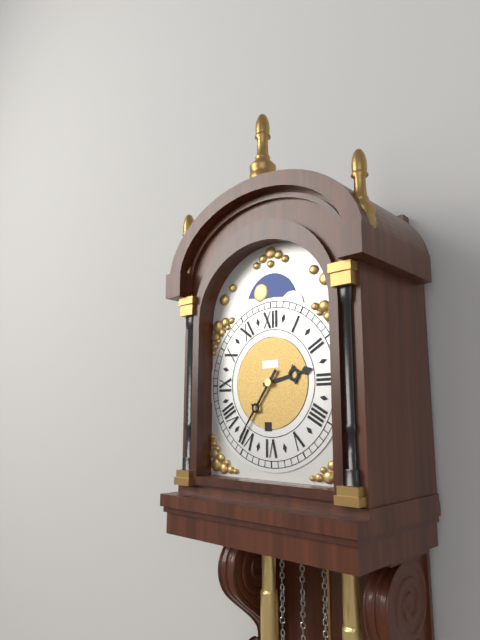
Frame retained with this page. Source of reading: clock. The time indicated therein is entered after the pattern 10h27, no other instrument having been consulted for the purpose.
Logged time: 2h36
